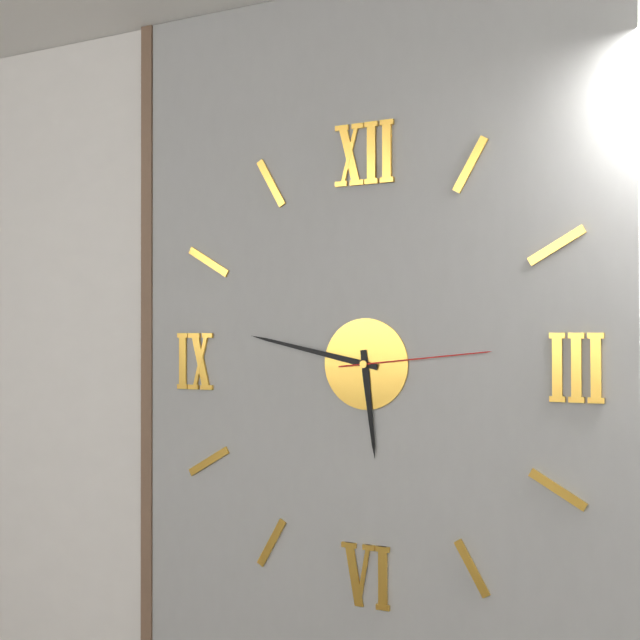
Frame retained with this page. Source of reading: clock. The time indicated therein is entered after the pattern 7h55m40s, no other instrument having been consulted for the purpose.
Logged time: 5h47m14s
